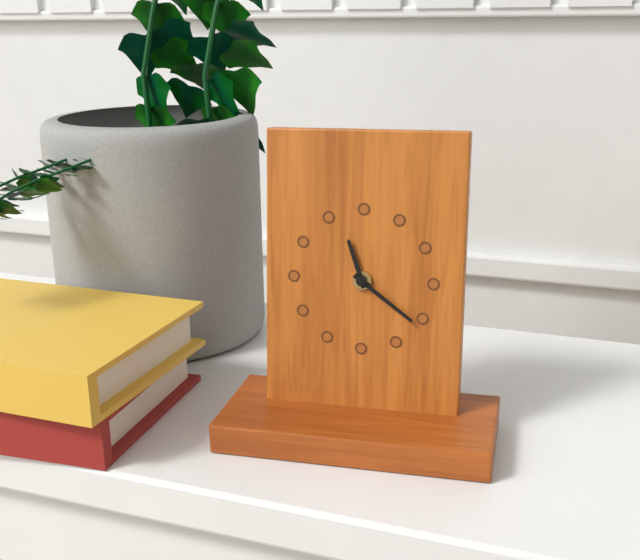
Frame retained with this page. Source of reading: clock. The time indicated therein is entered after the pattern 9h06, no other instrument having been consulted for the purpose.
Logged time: 11h21
